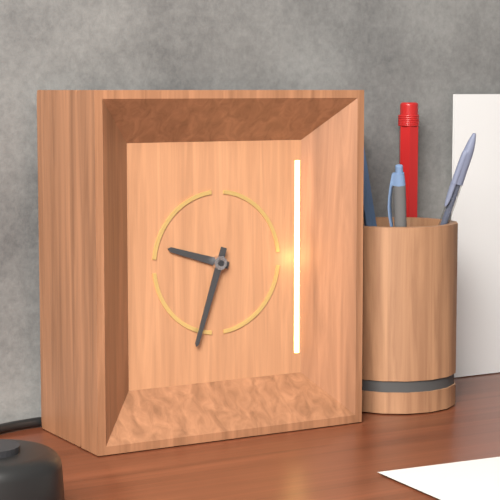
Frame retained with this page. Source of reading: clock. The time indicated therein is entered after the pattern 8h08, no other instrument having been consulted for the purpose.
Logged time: 9h33
